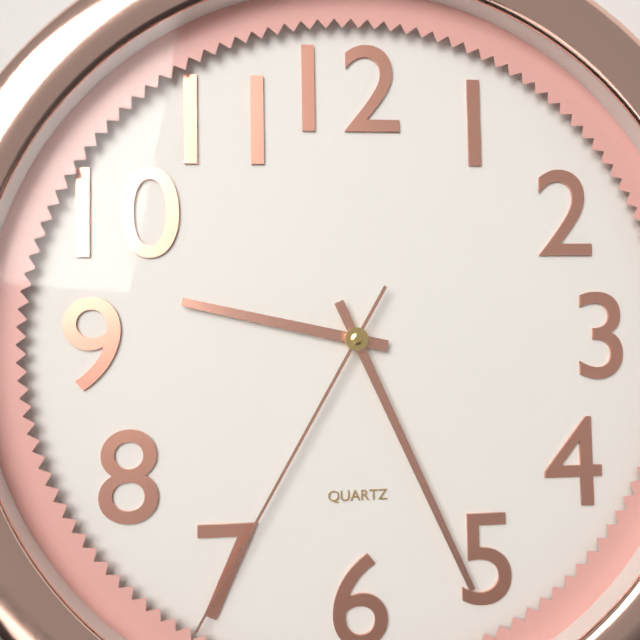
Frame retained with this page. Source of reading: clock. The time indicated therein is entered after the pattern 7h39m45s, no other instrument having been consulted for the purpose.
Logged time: 9h26m35s
